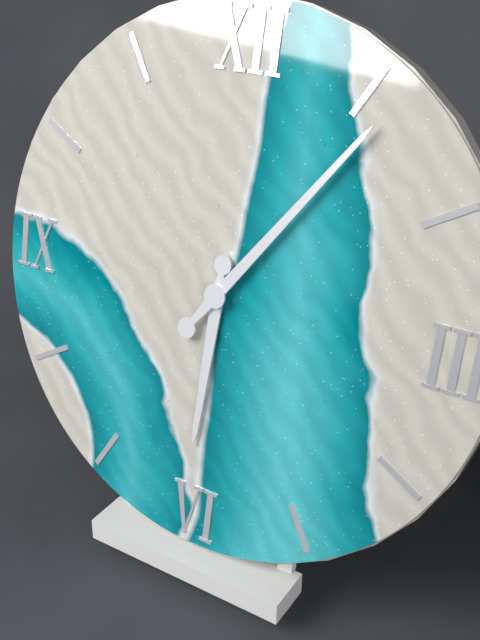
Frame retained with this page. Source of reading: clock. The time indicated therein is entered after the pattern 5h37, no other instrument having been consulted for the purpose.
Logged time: 6h06
